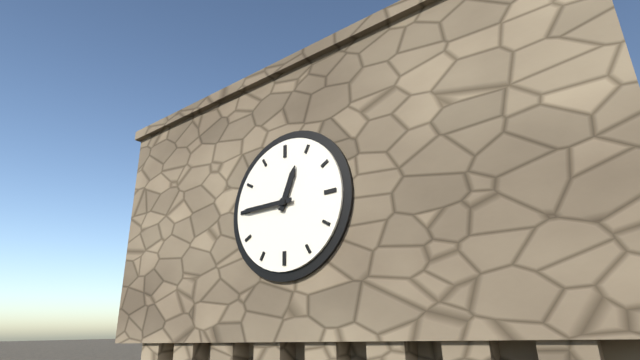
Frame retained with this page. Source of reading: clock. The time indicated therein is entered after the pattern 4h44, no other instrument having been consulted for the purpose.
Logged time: 12h45
